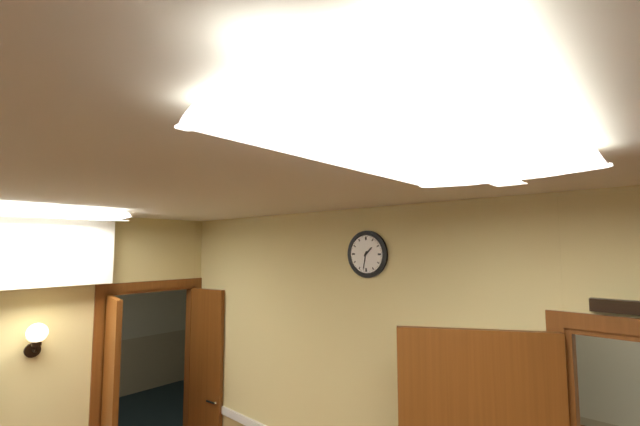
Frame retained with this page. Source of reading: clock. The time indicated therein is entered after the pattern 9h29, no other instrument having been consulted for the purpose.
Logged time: 1h32
